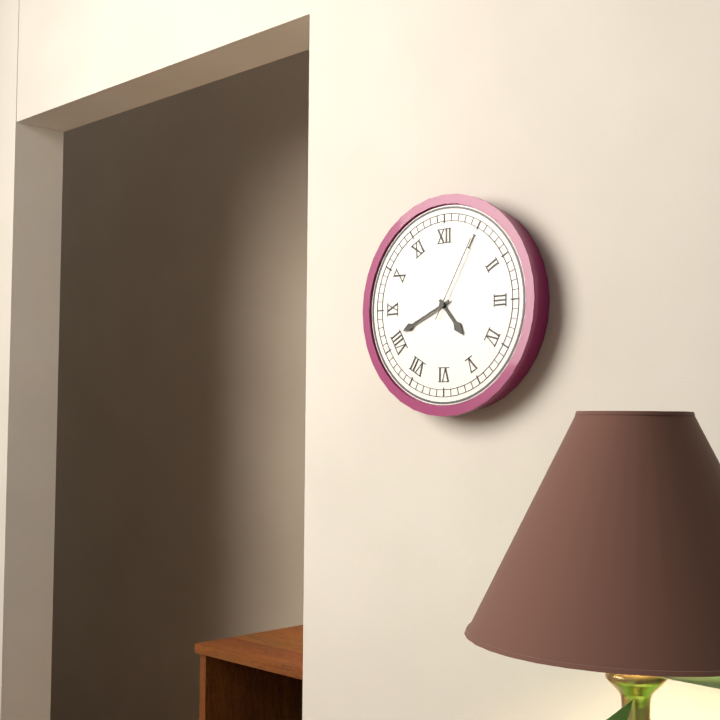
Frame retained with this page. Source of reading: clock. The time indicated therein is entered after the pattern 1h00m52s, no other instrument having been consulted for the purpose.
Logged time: 4h41m05s
